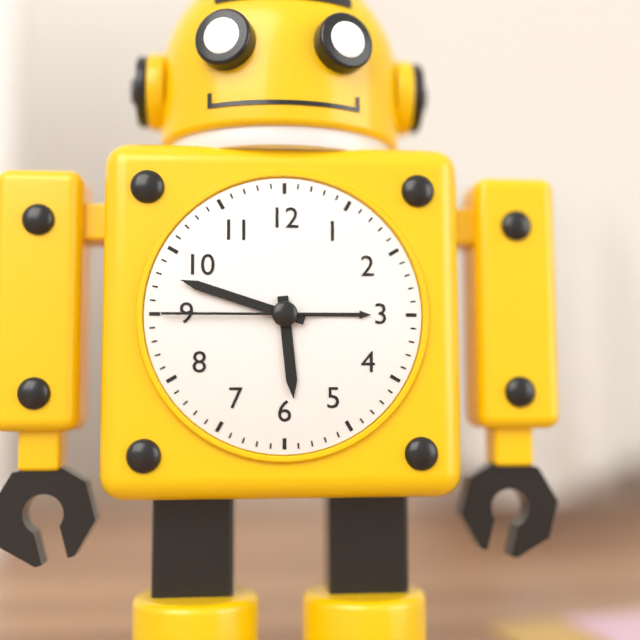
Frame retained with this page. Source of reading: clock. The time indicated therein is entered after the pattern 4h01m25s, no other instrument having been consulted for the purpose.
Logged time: 5h48m45s
